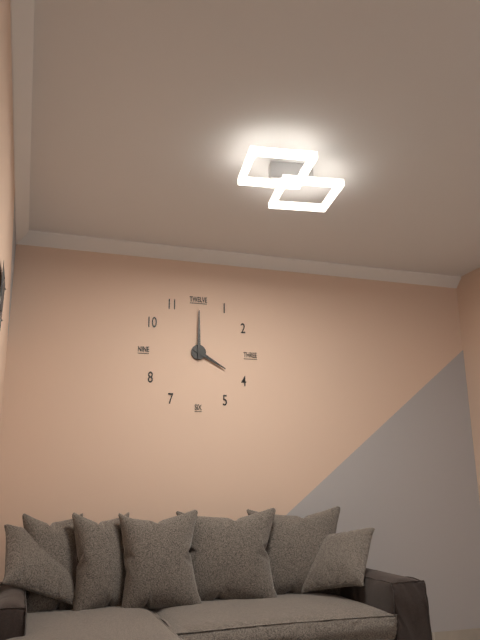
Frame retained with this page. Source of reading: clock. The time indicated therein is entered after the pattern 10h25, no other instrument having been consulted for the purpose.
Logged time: 4h00
